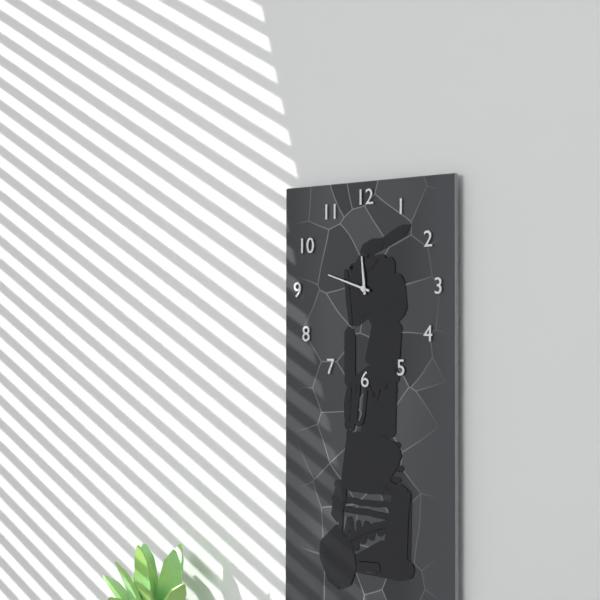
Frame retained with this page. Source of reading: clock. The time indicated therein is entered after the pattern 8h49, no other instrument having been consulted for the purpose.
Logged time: 11h48
